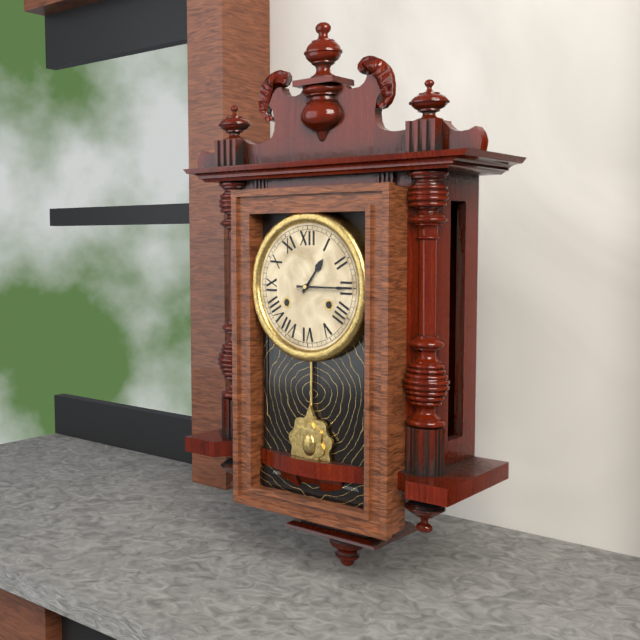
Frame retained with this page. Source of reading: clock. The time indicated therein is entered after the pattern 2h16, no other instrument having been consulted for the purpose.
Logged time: 1h15
